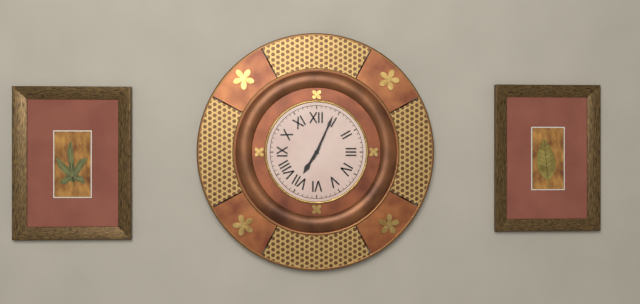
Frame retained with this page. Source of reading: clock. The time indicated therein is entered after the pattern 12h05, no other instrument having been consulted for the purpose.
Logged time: 7h04
